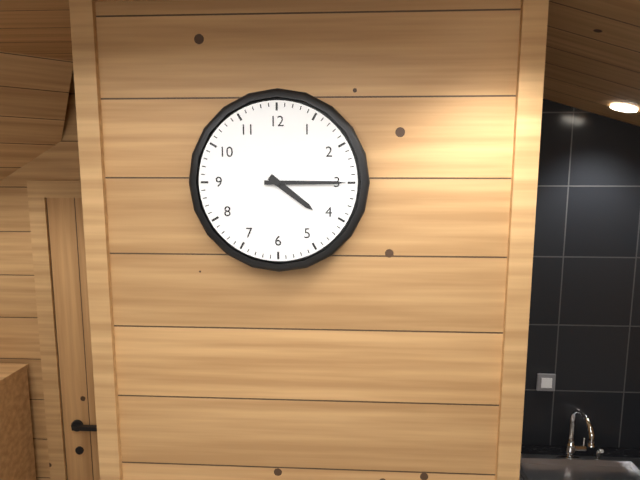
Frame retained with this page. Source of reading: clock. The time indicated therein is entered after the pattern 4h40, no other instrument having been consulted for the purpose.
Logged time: 4h15
